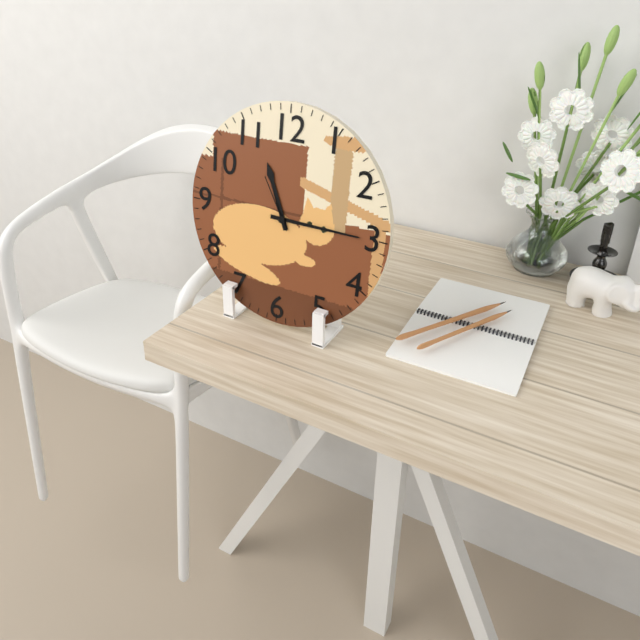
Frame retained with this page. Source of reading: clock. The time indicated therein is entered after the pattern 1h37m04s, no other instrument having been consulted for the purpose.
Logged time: 11h15m55s
